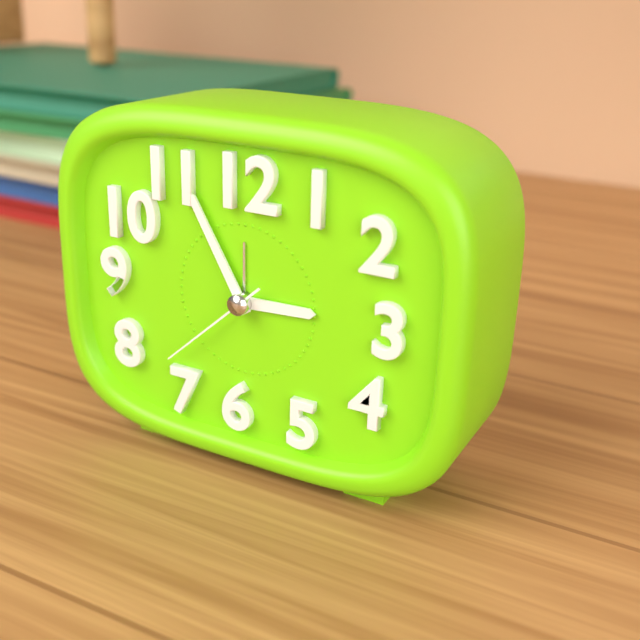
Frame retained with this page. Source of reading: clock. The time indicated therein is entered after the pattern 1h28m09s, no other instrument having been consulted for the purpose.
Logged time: 2h55m38s
